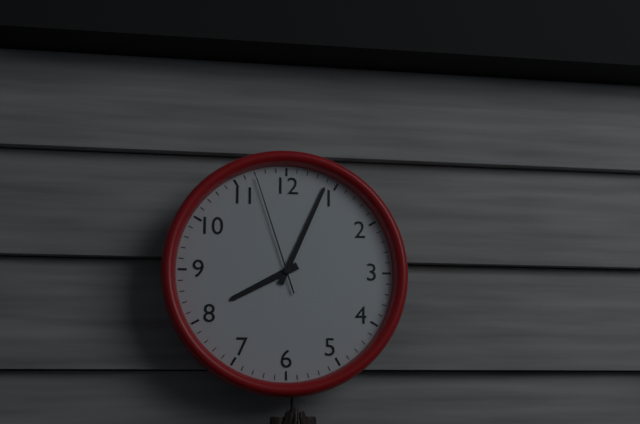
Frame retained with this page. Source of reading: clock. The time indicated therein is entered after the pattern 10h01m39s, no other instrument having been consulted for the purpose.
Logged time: 8h04m57s
